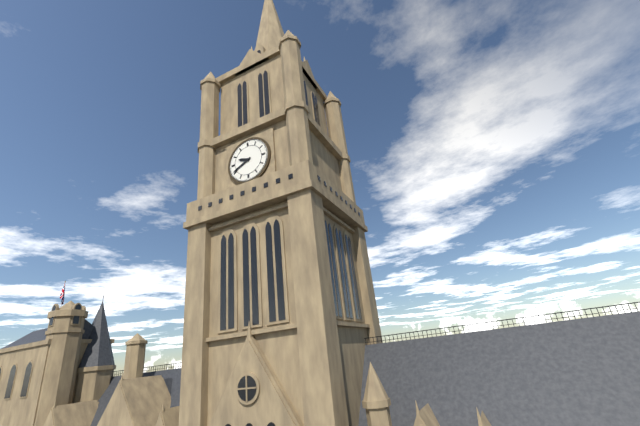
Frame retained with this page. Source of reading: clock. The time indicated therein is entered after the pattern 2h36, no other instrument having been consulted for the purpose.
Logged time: 9h41
